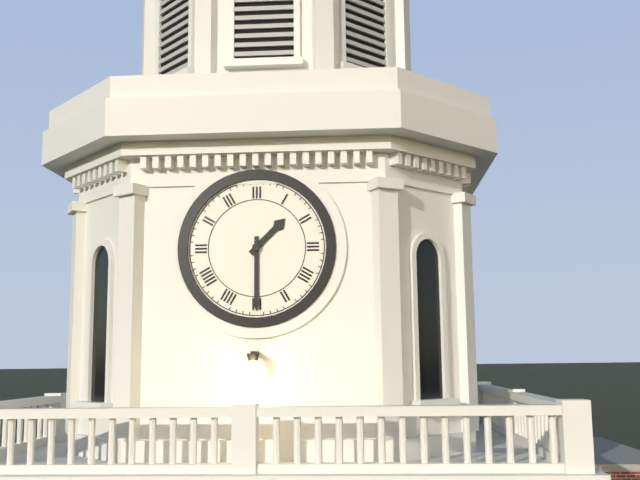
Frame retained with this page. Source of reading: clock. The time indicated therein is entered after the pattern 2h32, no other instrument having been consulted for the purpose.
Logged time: 1h30
